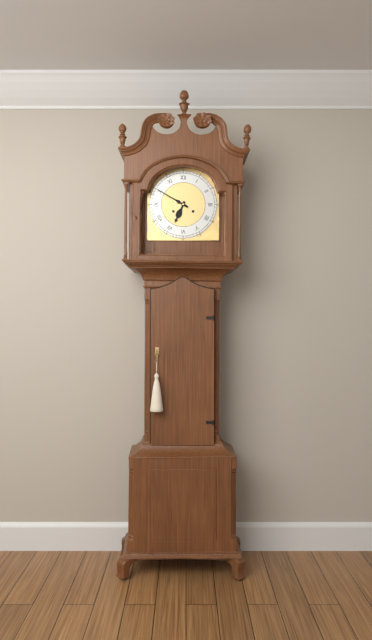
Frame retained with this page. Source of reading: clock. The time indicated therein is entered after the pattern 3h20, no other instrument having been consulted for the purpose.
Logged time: 6h50
